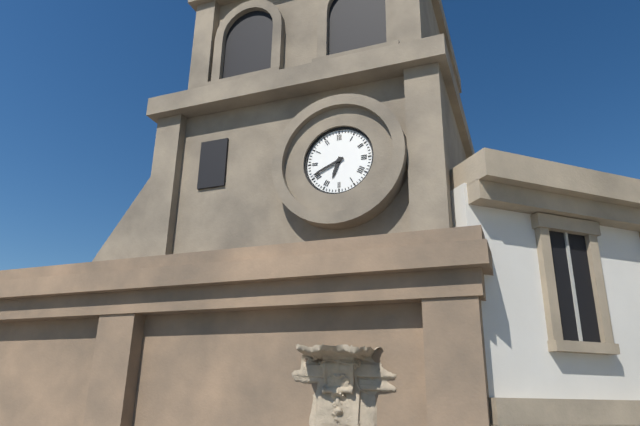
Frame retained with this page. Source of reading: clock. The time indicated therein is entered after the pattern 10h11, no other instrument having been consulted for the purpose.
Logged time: 6h41
